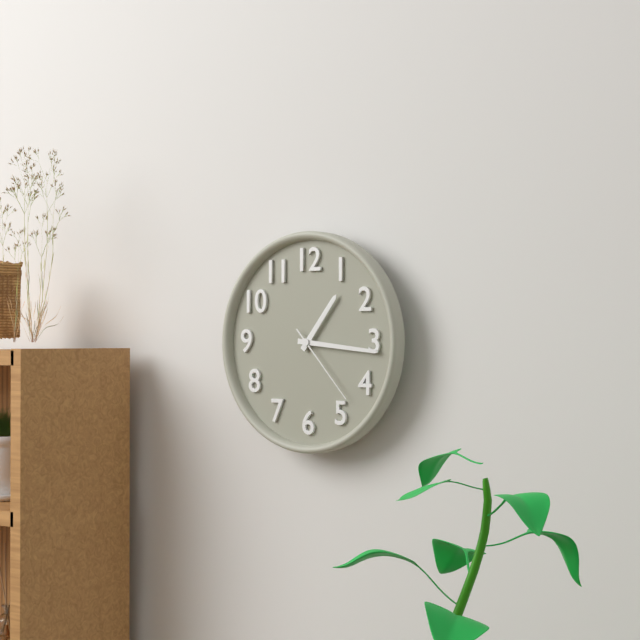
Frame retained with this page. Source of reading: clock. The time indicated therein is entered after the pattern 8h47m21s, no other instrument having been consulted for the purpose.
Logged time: 1h16m23s
